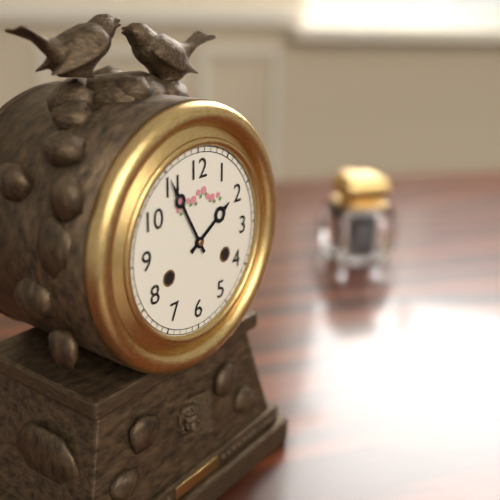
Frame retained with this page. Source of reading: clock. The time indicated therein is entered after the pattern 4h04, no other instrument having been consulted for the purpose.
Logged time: 1h55
